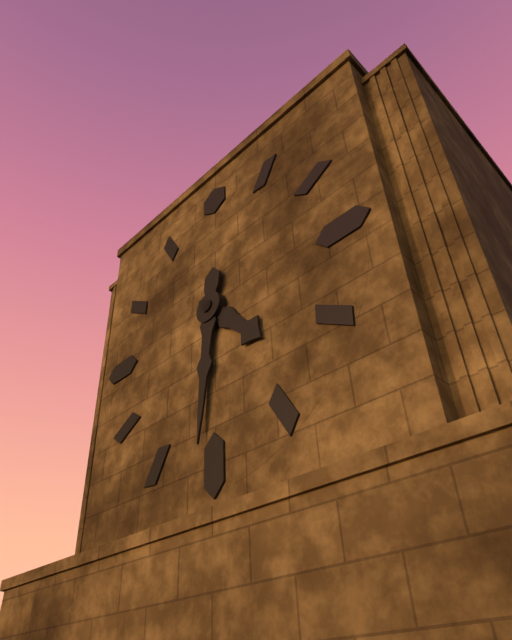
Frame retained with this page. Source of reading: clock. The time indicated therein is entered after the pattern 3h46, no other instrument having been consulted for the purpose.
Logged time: 4h31
